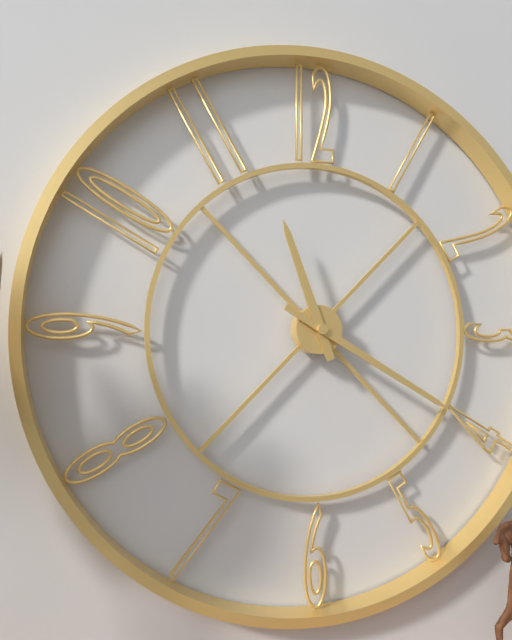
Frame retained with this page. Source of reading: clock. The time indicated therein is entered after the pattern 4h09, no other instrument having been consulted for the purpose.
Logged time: 11h20
